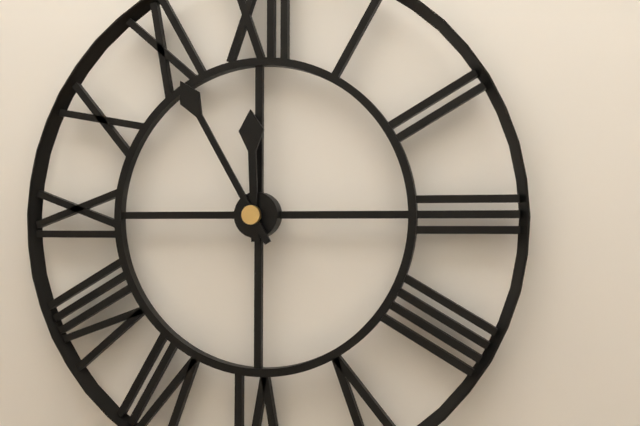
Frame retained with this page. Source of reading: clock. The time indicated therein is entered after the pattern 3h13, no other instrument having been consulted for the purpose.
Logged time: 11h55
